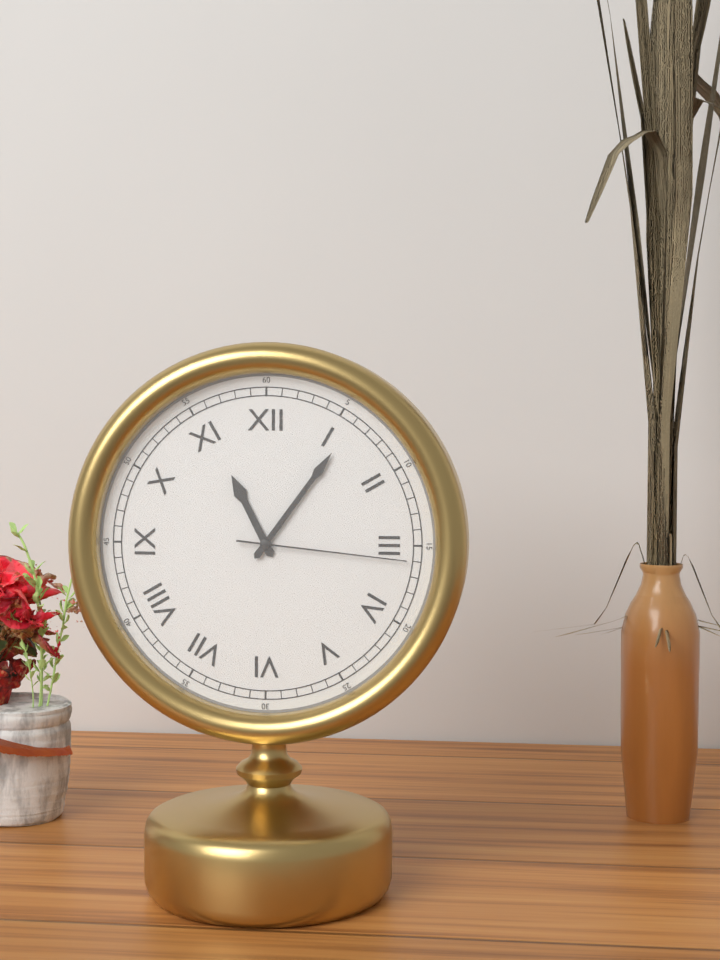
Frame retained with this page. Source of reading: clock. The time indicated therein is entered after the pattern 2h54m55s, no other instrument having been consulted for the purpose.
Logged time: 11h06m16s
